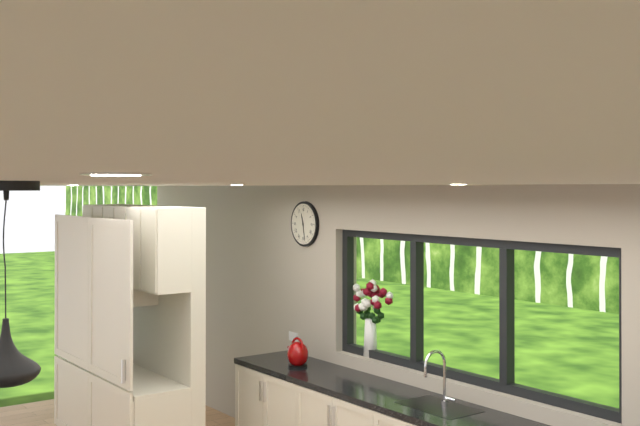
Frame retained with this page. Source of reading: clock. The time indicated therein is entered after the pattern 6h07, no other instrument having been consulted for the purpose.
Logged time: 11h28
